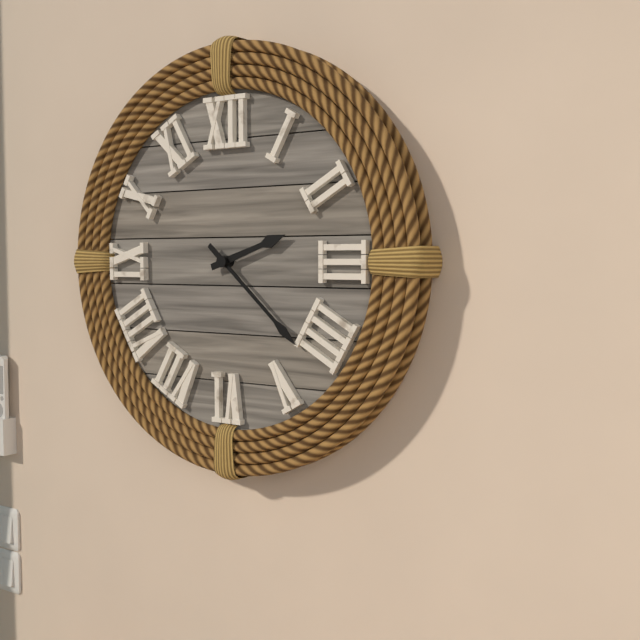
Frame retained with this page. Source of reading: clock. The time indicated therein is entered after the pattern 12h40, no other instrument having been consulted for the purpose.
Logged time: 2h22
